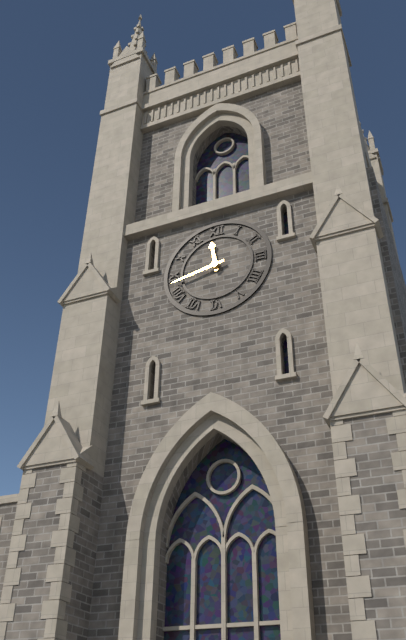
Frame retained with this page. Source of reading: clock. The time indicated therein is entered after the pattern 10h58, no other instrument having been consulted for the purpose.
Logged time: 11h43
